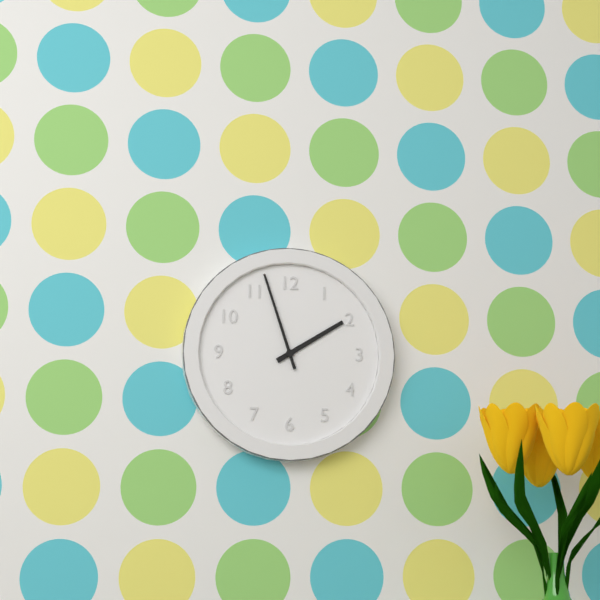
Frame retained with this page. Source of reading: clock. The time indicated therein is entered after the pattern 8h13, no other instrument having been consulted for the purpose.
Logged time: 1h57
